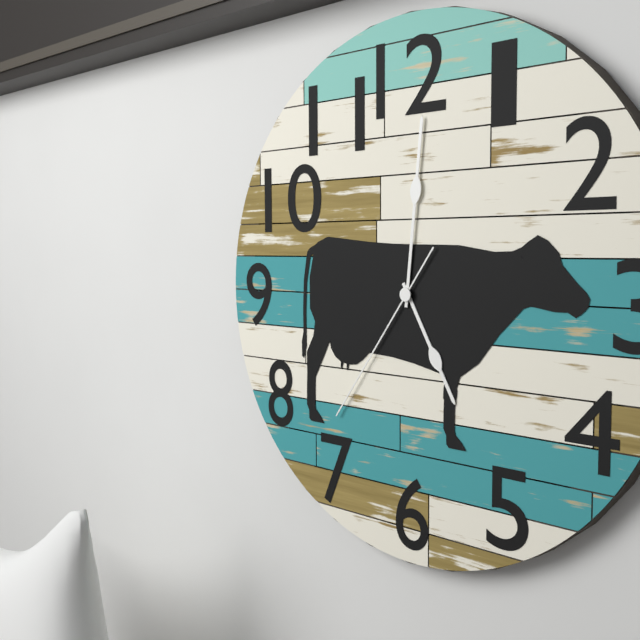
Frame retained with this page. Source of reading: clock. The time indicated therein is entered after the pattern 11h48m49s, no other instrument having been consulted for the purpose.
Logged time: 5h01m36s
